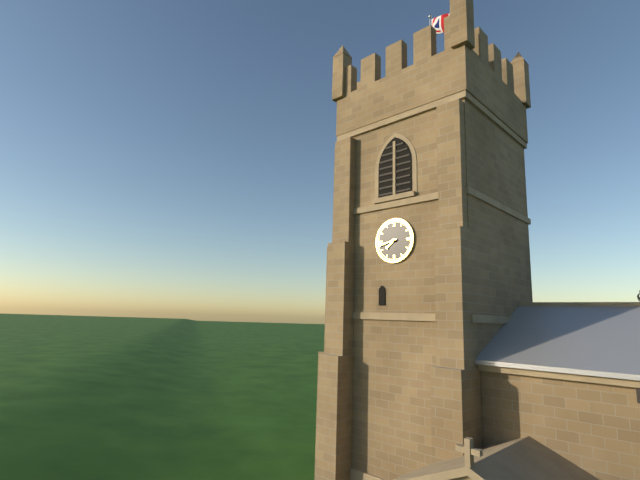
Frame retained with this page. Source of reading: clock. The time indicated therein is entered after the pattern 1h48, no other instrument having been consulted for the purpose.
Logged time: 7h43
